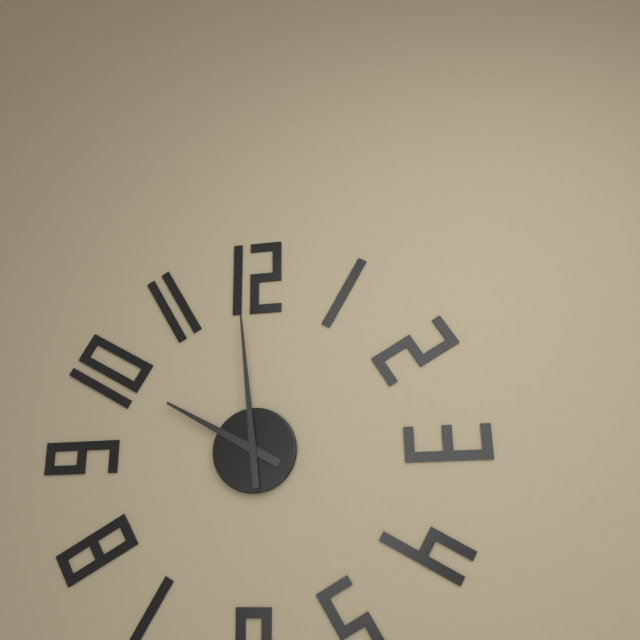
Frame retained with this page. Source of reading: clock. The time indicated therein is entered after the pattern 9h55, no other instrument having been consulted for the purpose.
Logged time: 9h59
